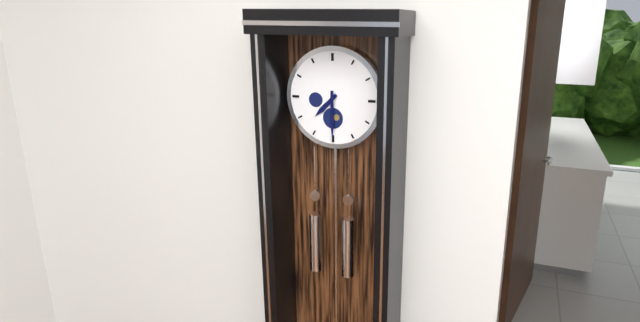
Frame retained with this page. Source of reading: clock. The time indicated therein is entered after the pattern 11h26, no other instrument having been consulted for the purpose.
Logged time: 7h30
